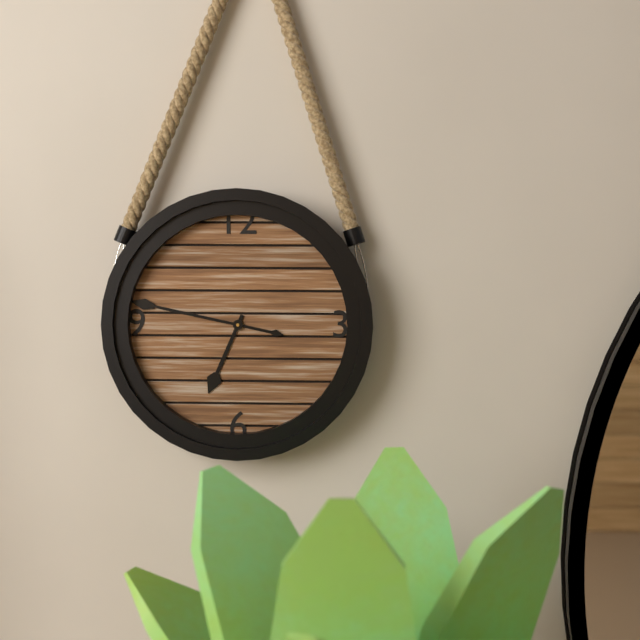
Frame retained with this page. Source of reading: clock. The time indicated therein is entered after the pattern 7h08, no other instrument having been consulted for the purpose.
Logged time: 6h47
